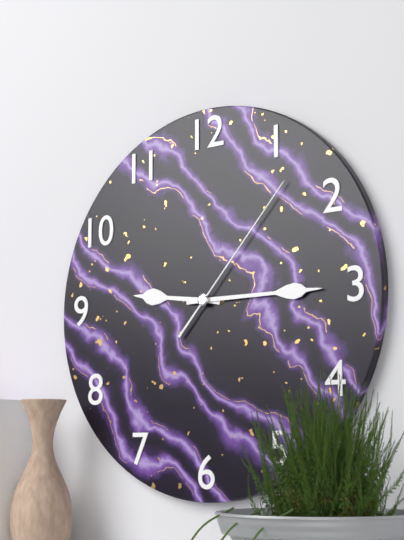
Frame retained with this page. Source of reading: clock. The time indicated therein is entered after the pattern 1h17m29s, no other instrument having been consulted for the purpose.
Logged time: 9h15m07s
